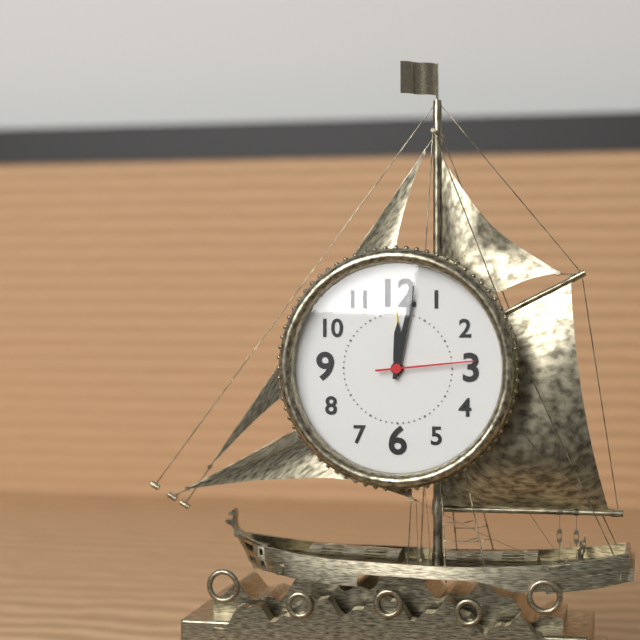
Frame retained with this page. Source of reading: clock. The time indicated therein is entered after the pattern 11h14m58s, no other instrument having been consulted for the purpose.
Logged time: 12h02m14s
